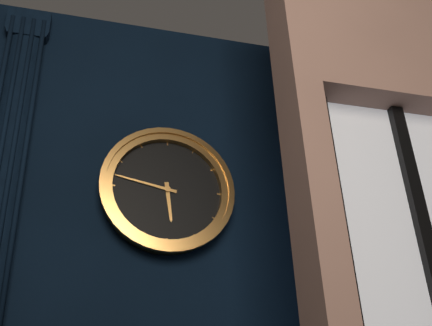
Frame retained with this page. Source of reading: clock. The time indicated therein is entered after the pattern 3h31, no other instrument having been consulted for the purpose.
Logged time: 5h47
